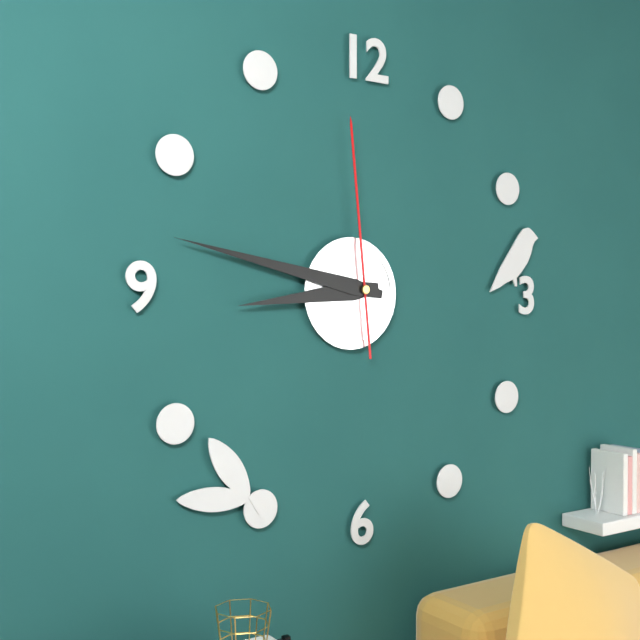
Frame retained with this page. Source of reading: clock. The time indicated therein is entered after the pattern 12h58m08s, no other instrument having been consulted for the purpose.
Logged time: 8h47m59s
